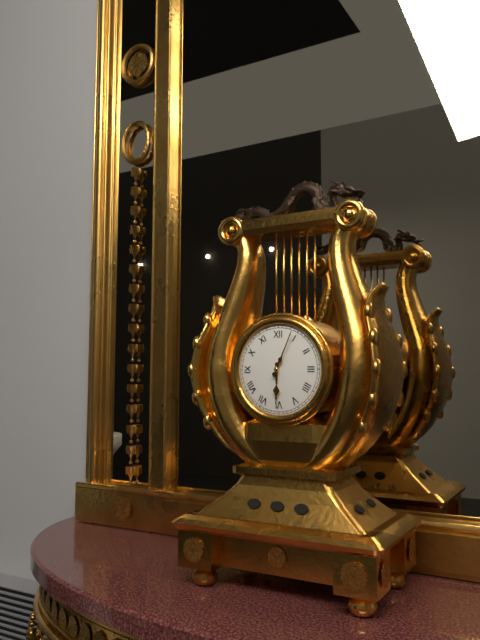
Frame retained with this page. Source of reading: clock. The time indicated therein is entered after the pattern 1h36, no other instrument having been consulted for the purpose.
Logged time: 6h04
